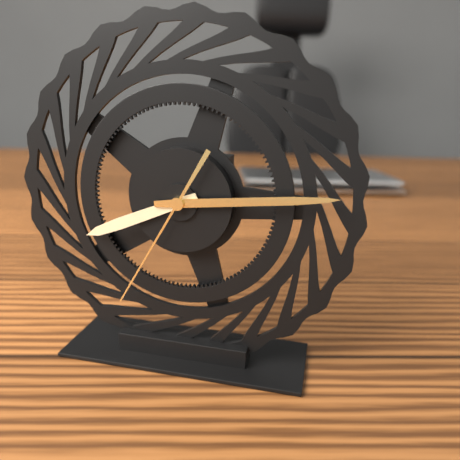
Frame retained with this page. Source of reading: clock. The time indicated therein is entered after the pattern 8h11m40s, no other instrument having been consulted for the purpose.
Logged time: 8h14m35s
